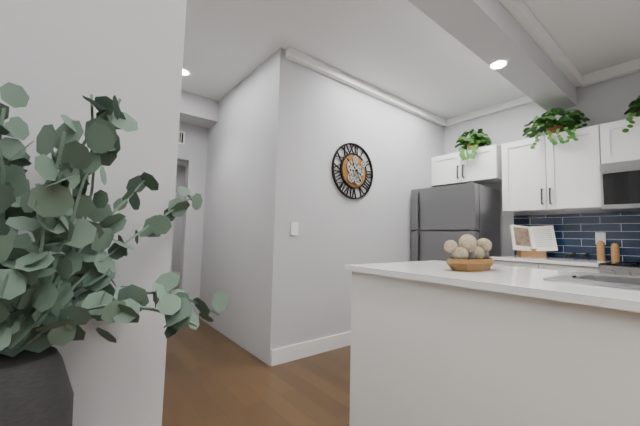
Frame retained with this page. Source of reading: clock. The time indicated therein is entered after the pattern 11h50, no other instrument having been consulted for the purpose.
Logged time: 4h51
